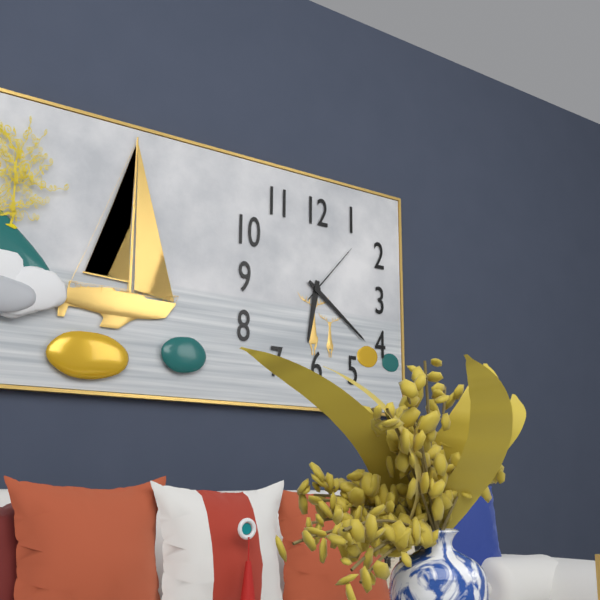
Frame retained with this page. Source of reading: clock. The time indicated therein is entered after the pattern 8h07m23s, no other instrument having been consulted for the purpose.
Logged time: 6h21m07s
